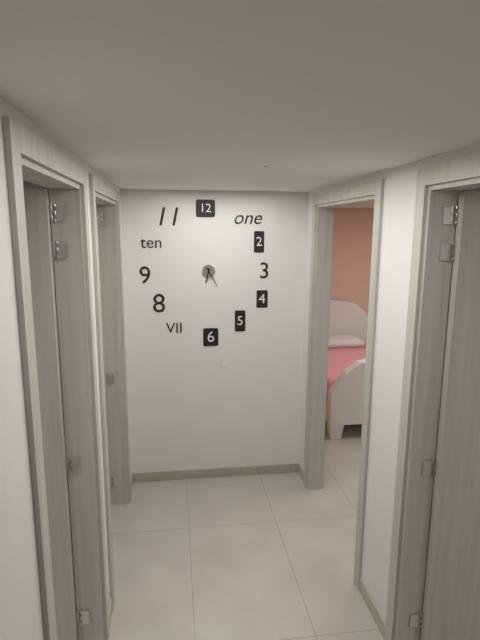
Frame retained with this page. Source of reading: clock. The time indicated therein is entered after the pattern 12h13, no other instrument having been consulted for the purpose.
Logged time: 6h25
